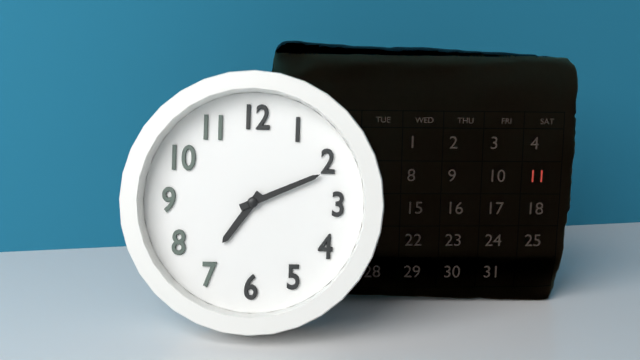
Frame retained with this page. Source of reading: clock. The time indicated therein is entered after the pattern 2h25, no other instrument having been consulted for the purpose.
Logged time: 7h11
